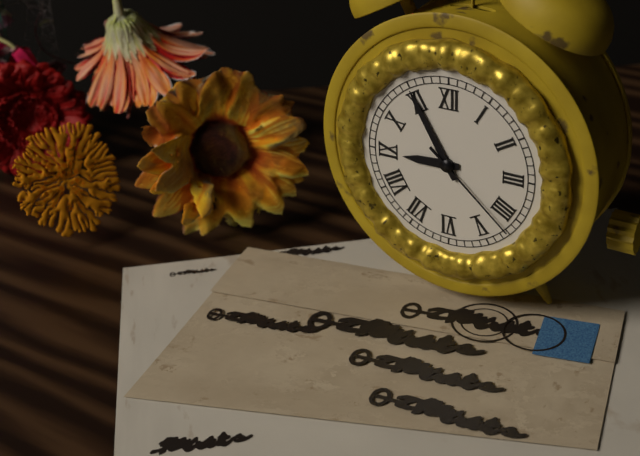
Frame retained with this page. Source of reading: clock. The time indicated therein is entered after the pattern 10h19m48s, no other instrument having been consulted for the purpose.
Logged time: 8h55m22s
